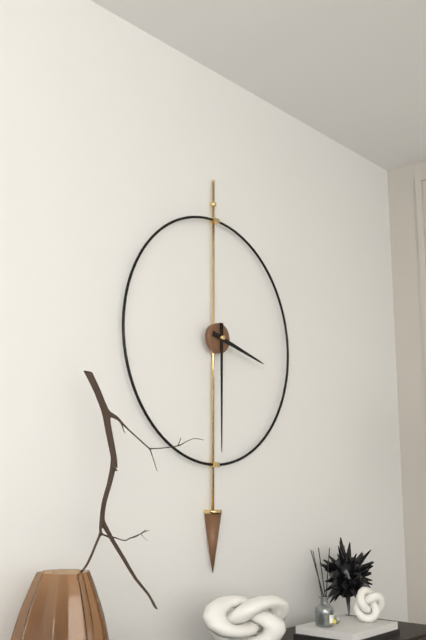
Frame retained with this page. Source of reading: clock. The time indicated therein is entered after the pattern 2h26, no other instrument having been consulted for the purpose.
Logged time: 3h30
